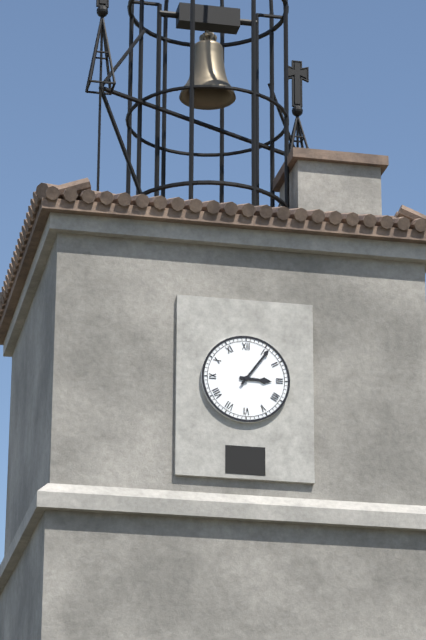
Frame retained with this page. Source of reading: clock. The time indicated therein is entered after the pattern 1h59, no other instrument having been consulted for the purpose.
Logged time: 3h06
